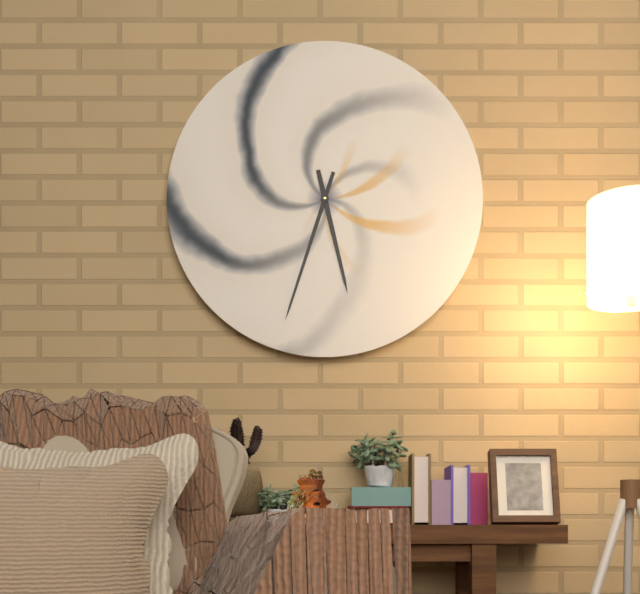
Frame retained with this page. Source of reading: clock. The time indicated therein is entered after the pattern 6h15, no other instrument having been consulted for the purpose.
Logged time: 5h33
